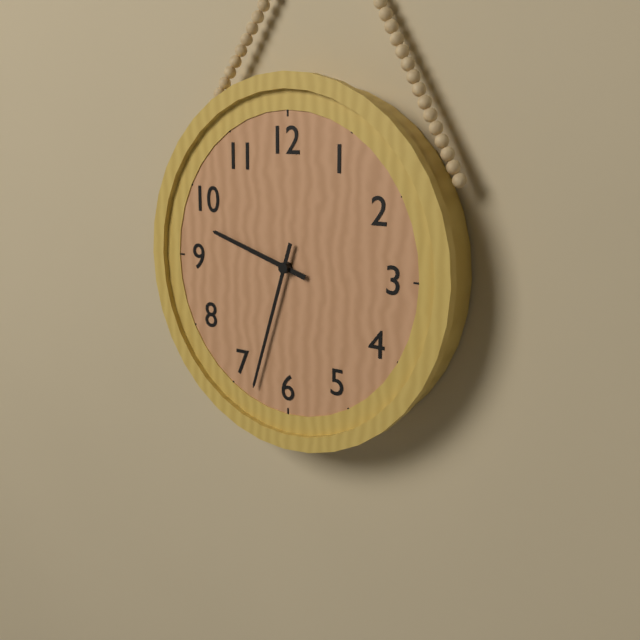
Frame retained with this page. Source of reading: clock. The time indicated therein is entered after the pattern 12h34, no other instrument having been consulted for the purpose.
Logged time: 9h33
